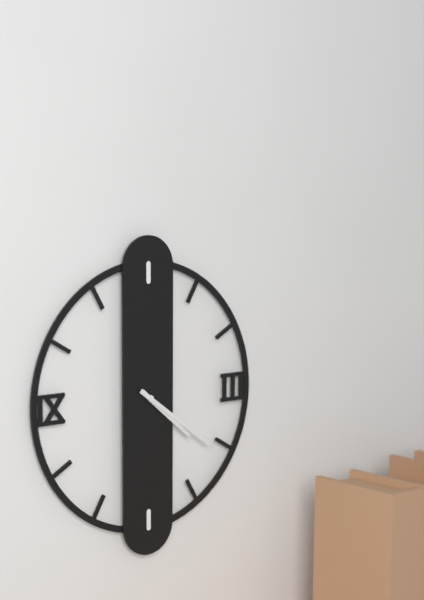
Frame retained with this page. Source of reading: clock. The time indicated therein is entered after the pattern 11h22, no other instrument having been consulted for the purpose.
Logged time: 4h21
